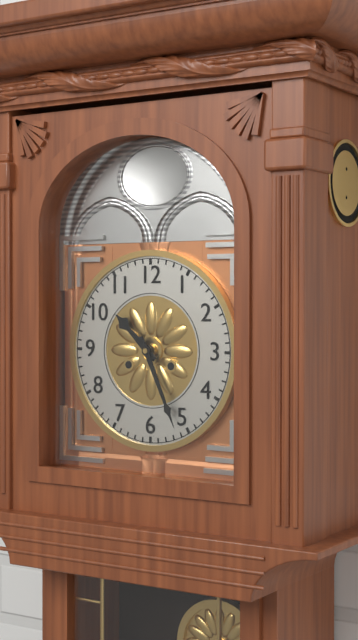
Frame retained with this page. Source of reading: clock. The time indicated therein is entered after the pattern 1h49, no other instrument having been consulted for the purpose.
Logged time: 10h26
